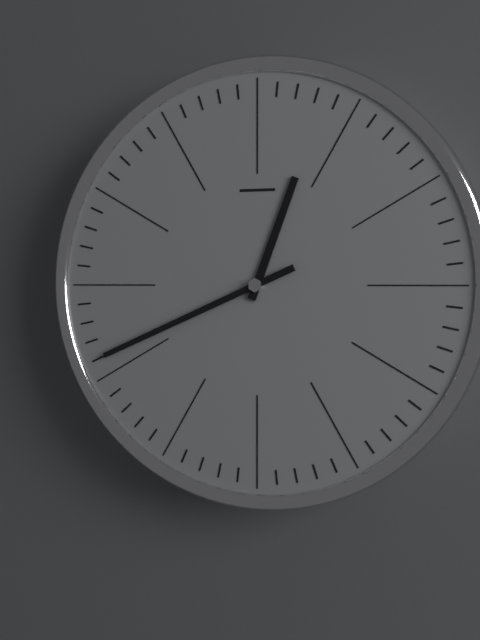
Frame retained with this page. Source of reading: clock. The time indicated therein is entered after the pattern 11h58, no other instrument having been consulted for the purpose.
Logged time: 12h41
